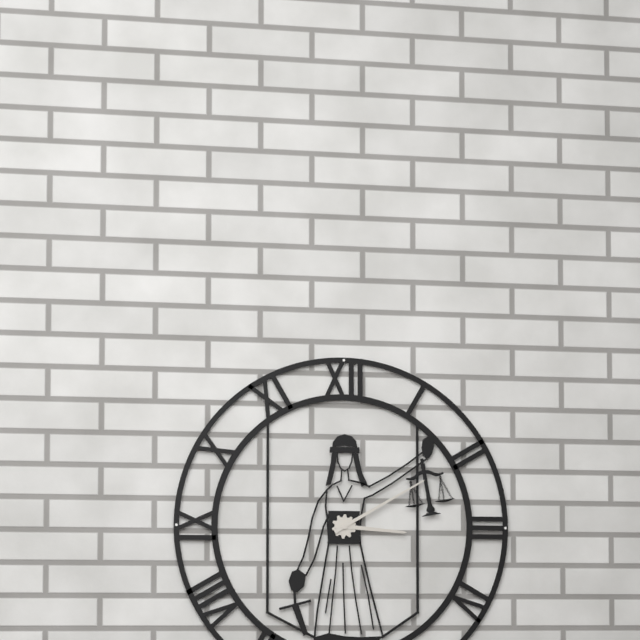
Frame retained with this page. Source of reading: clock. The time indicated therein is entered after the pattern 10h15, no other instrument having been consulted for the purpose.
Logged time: 3h10
